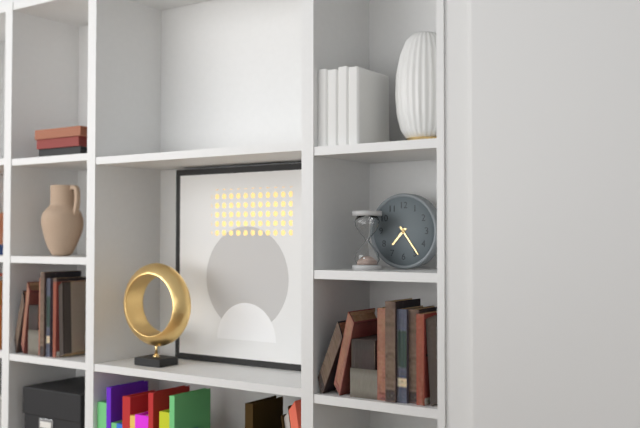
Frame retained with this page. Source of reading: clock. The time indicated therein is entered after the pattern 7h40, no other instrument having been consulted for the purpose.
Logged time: 7h24
